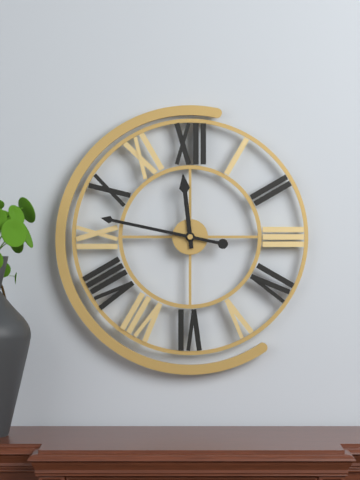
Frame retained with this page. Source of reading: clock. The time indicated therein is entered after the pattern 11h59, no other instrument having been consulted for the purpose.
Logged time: 11h47
